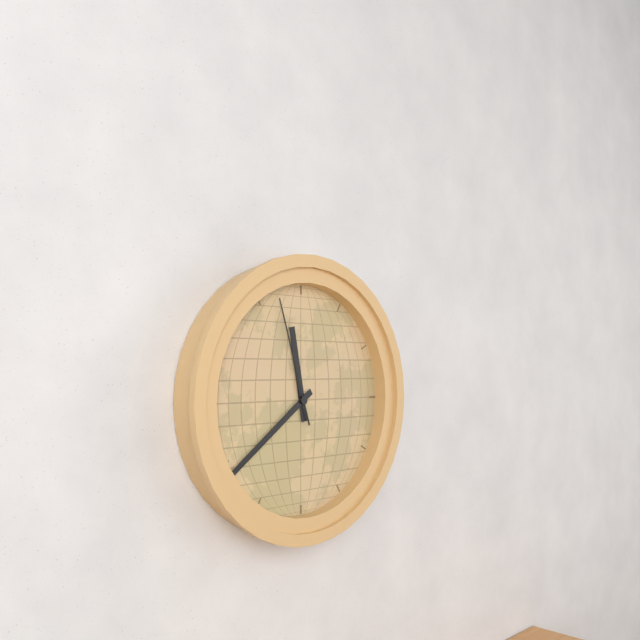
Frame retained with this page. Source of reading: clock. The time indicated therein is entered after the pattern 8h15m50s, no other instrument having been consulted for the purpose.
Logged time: 11h39m57s
